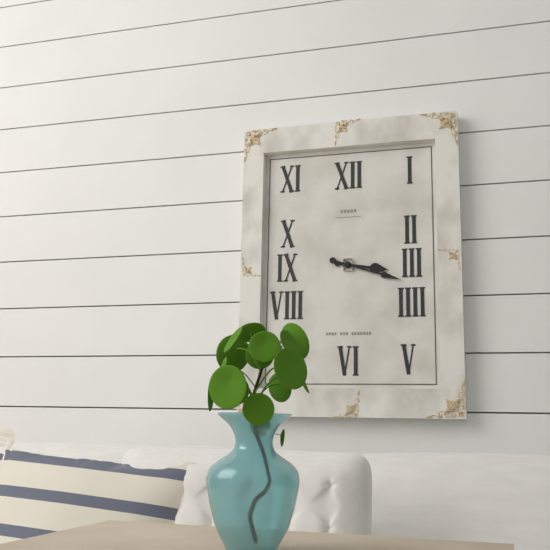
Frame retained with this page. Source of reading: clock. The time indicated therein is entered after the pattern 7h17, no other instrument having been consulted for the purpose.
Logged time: 3h18
